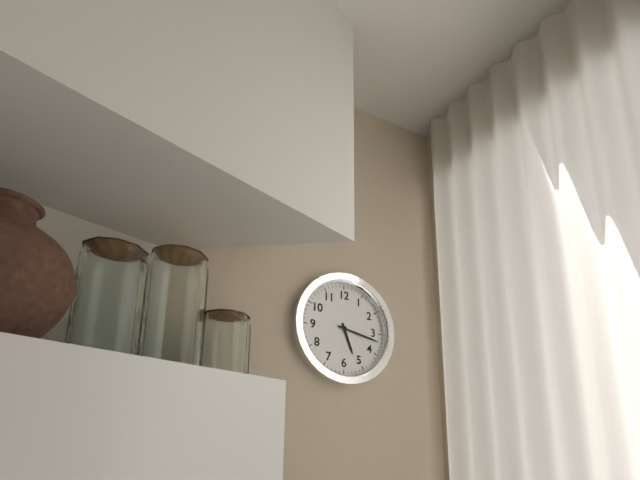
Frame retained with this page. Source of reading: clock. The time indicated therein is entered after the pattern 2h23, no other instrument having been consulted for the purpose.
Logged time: 5h17
